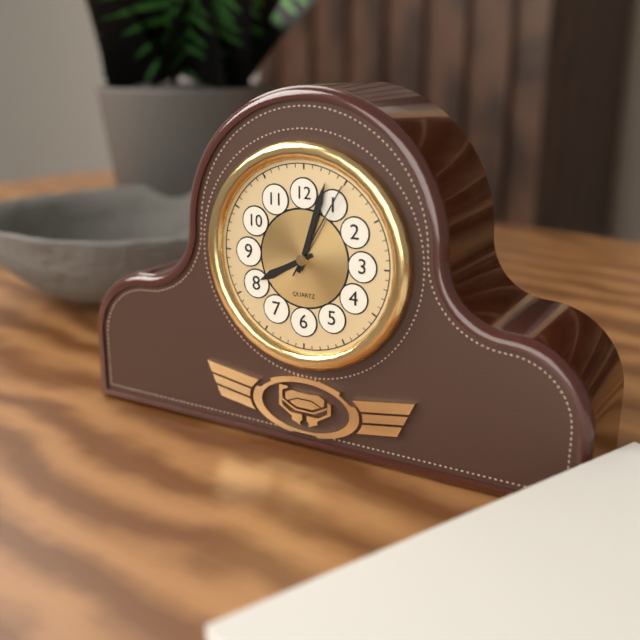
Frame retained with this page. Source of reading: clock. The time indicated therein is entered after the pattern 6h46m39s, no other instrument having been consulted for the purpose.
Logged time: 8h03m05s
